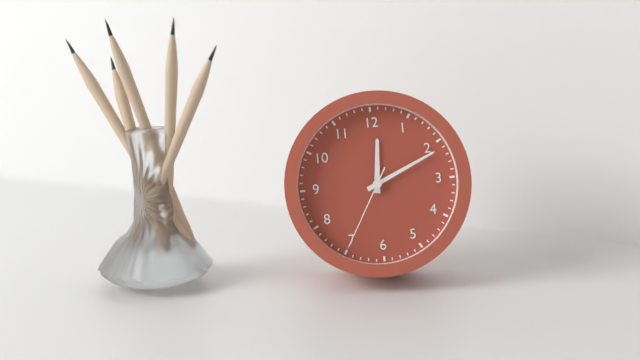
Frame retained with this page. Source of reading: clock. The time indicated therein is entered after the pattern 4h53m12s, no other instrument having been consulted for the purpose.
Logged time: 12h11m35s
